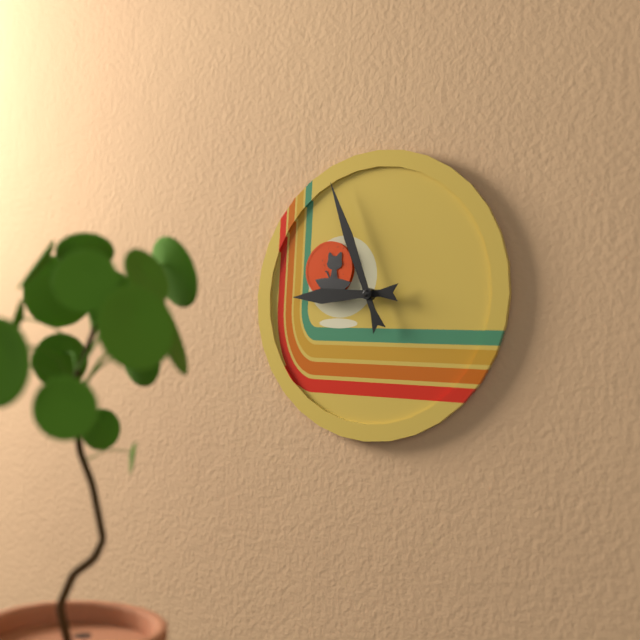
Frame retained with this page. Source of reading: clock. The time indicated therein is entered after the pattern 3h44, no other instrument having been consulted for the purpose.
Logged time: 8h56
